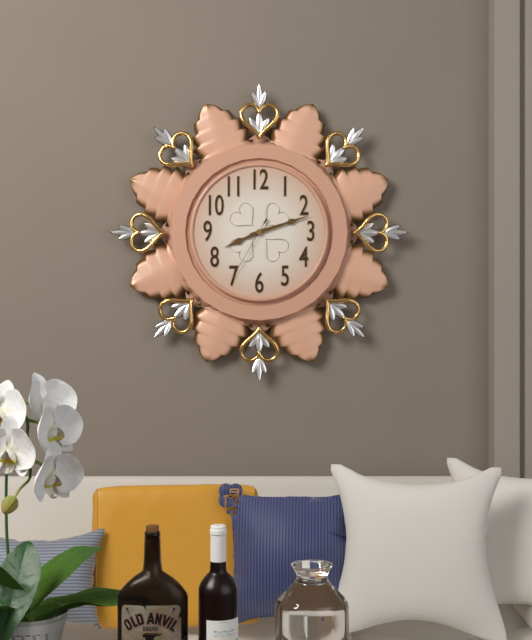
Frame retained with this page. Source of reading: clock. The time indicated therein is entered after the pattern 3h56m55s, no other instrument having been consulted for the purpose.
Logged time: 8h12m35s
